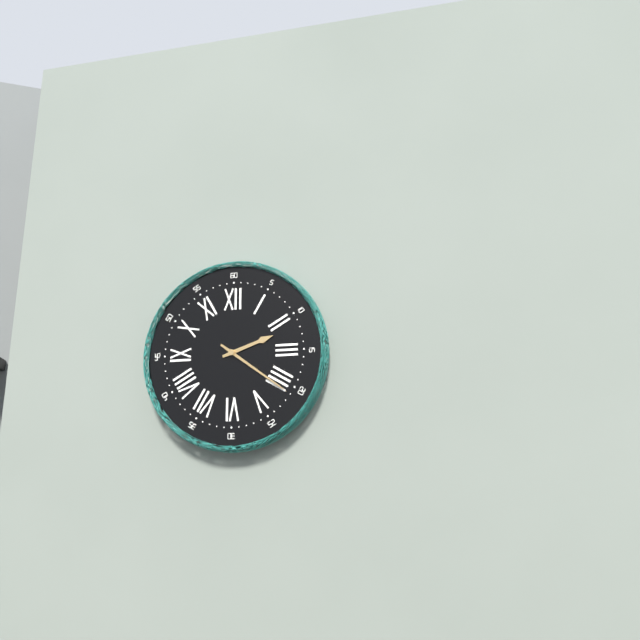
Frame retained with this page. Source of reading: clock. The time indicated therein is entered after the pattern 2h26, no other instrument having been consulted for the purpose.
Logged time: 2h21
